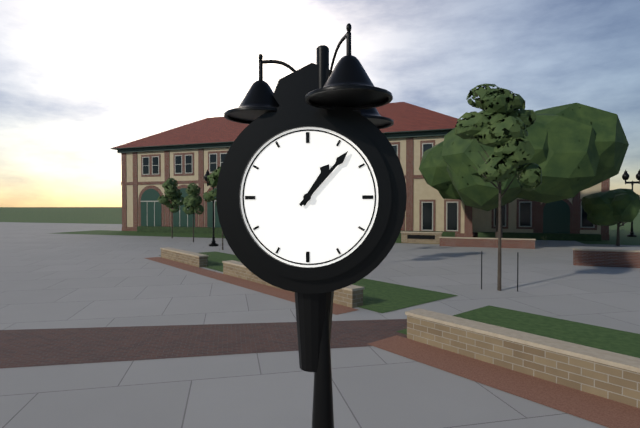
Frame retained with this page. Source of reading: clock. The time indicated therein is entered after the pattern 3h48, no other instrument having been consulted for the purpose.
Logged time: 1h07
